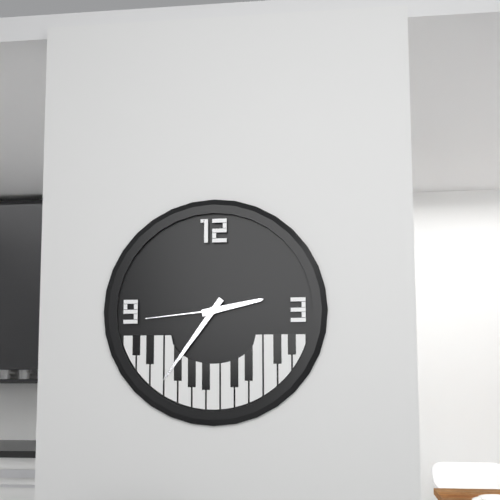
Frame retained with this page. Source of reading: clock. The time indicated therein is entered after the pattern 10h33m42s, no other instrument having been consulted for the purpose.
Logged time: 2h36m44s
